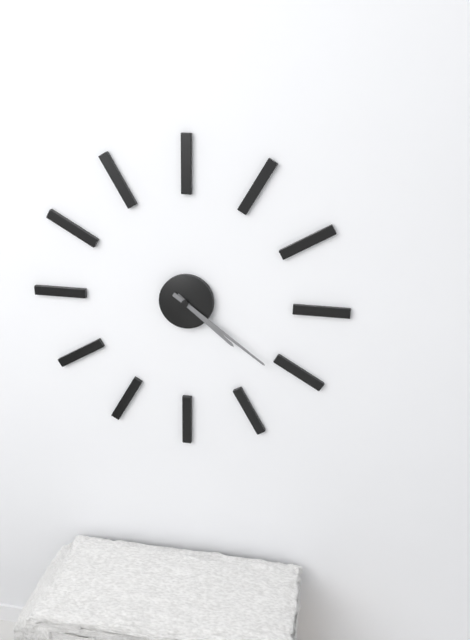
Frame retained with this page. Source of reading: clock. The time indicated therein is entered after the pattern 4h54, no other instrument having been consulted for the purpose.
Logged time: 4h21
